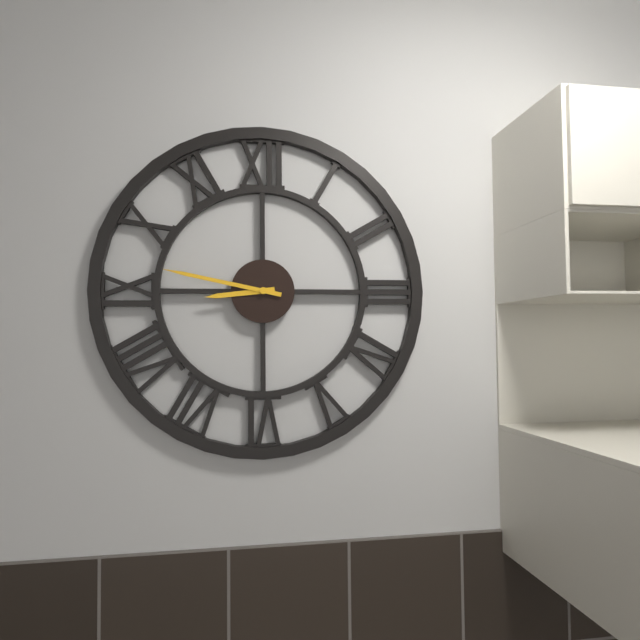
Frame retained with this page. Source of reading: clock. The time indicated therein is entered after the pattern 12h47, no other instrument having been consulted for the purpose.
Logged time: 8h47
